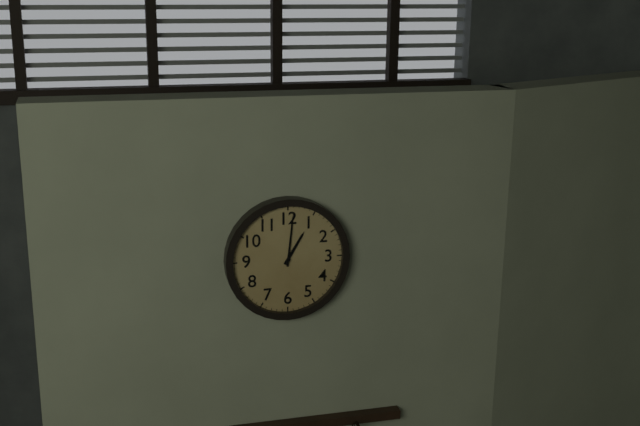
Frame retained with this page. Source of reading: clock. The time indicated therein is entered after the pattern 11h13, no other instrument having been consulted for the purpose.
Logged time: 1h01
